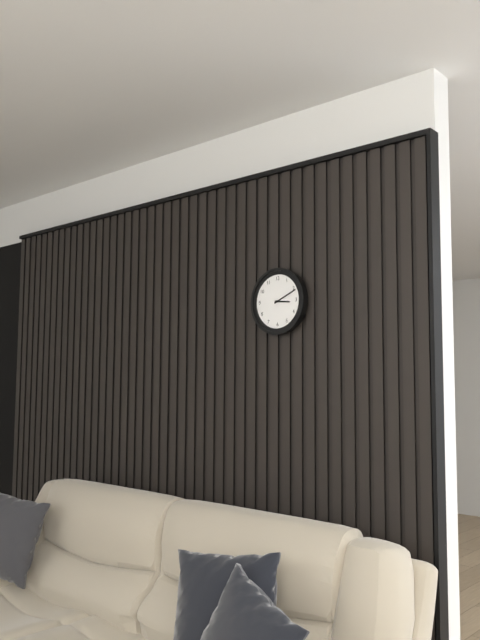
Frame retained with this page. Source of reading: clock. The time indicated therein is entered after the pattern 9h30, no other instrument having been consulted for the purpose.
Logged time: 3h11
